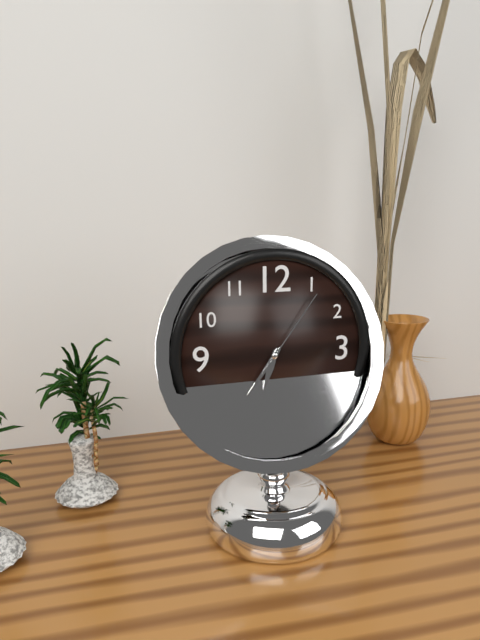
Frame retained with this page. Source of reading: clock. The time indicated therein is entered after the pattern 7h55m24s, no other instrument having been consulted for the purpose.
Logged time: 6h36m06s
